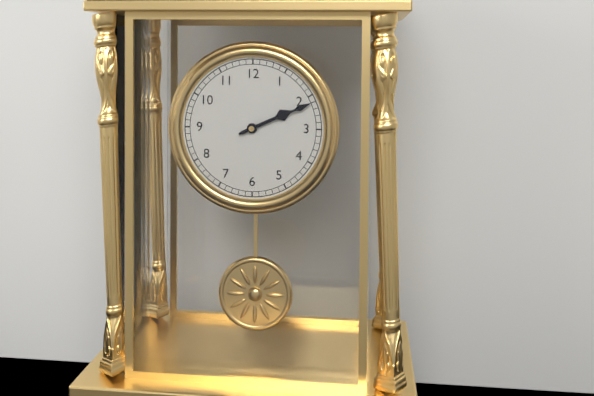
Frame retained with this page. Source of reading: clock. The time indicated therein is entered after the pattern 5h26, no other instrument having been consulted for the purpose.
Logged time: 2h11
